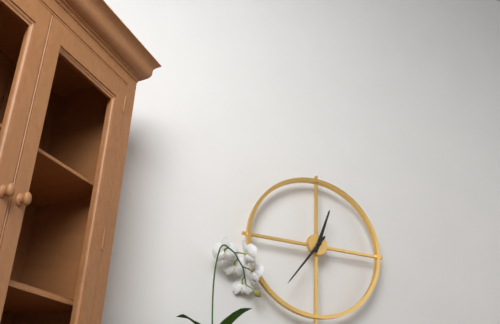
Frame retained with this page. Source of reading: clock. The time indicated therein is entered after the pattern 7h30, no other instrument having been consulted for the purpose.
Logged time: 12h36
